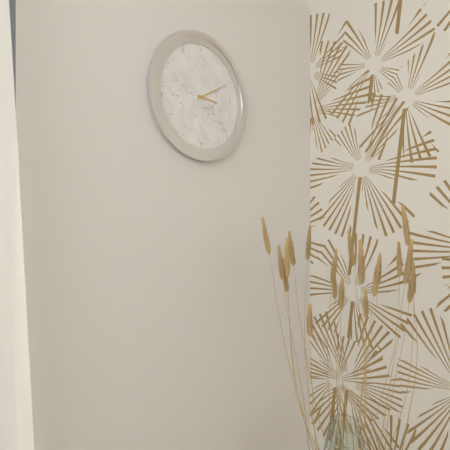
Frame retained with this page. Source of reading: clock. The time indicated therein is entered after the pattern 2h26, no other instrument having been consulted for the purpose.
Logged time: 3h10
